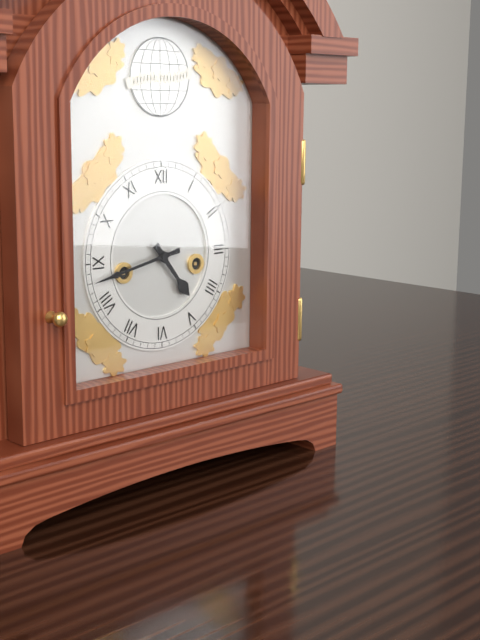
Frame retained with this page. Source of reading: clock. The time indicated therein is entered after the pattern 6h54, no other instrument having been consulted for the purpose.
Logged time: 4h43
